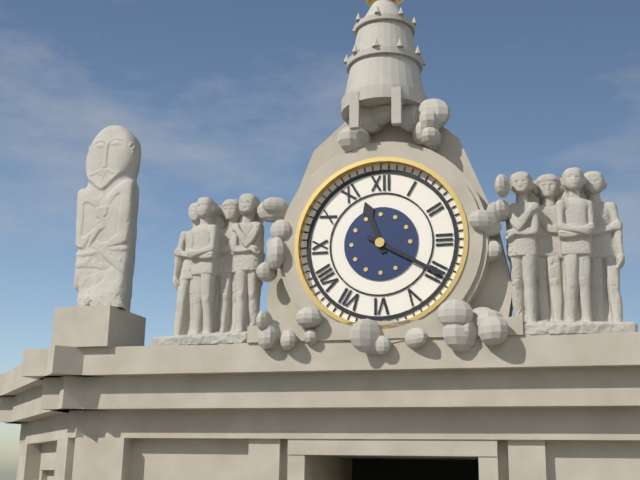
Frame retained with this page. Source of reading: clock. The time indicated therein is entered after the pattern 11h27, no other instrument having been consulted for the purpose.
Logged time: 11h20
